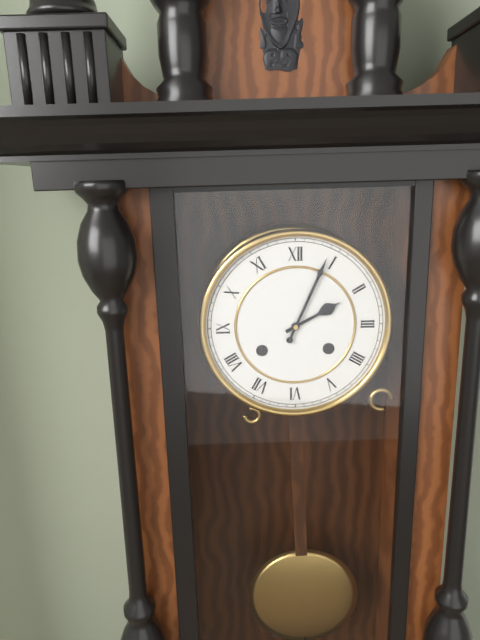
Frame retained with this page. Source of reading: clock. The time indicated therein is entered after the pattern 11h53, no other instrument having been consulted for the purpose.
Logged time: 2h04
